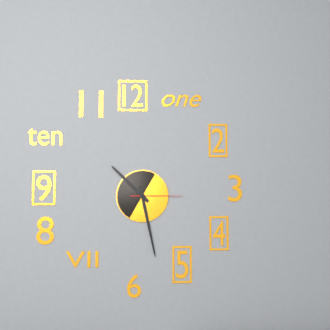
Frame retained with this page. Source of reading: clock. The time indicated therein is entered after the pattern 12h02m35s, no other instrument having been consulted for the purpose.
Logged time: 10h28m15s
